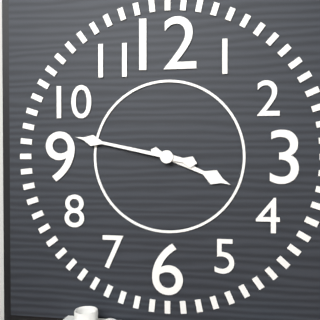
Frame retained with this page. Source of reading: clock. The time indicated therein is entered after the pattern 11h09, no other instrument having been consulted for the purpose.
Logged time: 3h47
